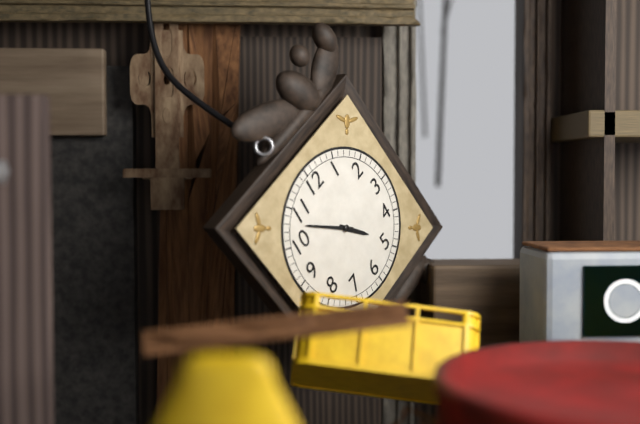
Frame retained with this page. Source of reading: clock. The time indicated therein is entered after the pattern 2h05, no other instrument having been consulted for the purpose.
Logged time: 4h53
